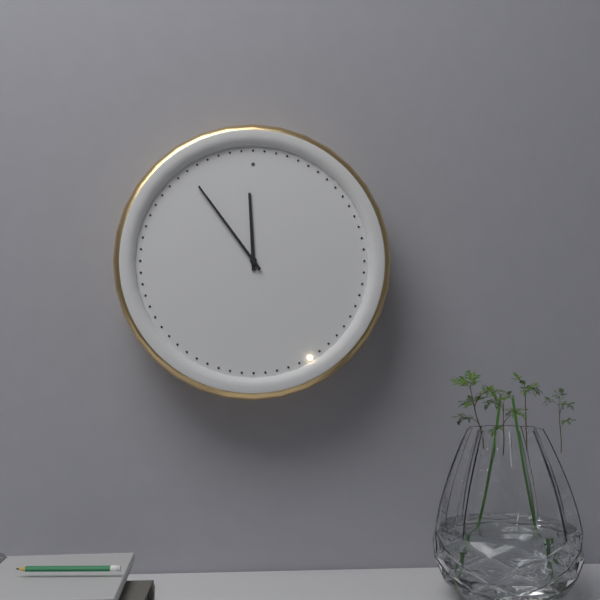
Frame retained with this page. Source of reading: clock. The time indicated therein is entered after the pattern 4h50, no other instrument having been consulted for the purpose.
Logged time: 11h54
